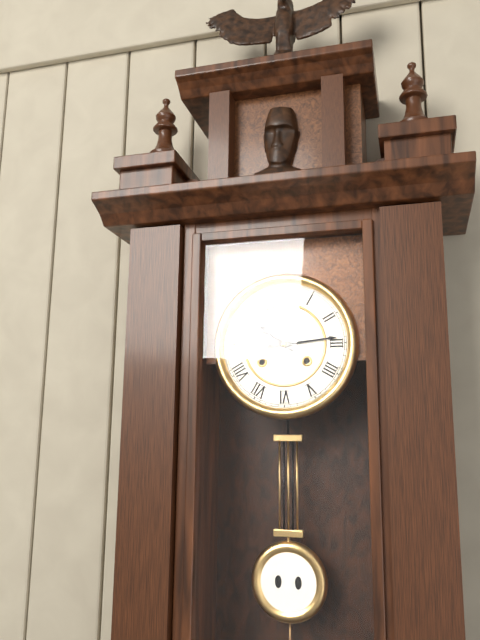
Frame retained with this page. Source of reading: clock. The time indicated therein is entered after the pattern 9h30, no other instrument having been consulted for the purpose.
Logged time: 10h14
